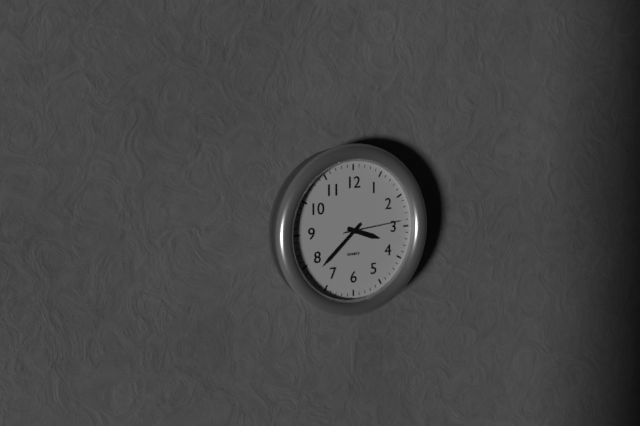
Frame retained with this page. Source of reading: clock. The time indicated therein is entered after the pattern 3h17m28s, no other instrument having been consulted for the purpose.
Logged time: 3h38m14s
